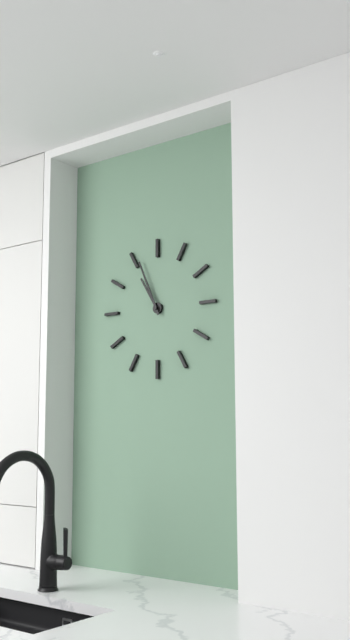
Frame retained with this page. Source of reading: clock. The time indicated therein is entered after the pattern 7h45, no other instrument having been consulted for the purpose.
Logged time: 10h56
